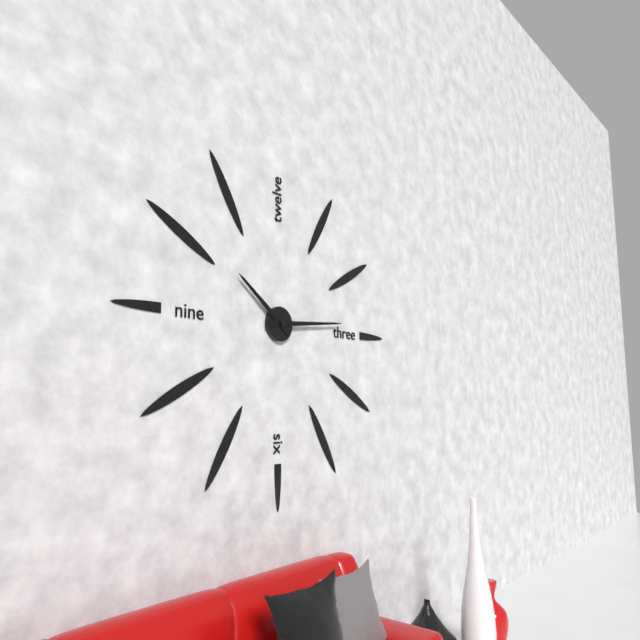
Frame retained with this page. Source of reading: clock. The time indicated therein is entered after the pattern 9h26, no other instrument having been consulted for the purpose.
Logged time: 10h14
